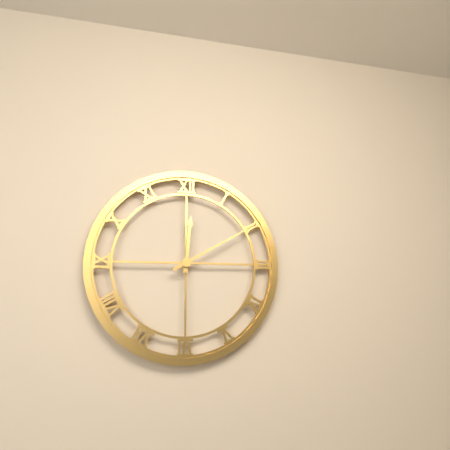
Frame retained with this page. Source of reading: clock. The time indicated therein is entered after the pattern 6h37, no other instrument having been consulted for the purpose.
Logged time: 12h10
